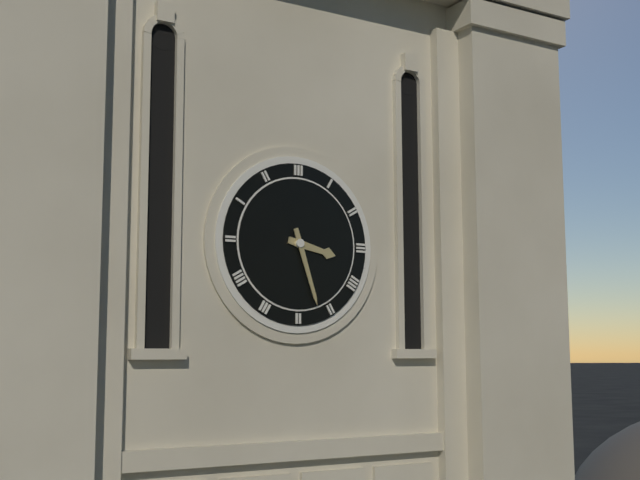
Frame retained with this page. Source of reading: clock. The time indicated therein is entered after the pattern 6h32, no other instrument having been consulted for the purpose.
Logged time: 3h27
